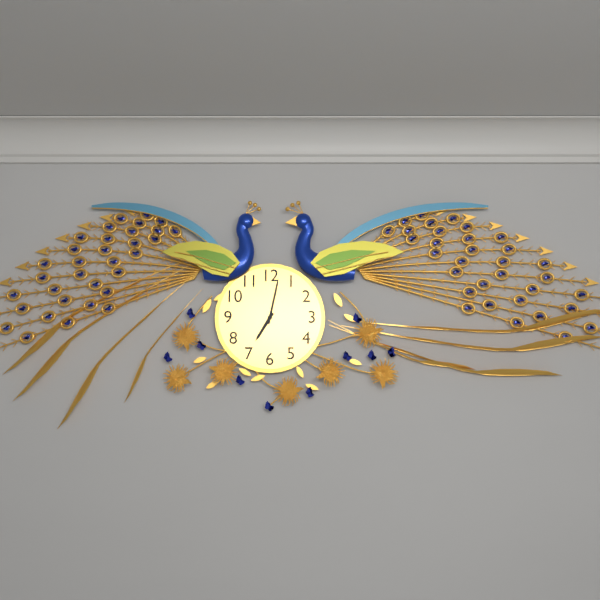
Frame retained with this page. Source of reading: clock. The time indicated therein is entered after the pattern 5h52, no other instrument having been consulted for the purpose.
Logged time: 7h02
